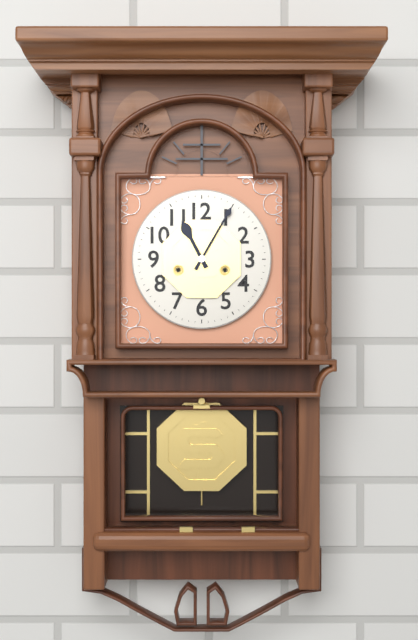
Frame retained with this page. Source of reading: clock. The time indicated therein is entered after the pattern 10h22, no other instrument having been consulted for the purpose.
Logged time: 11h05
